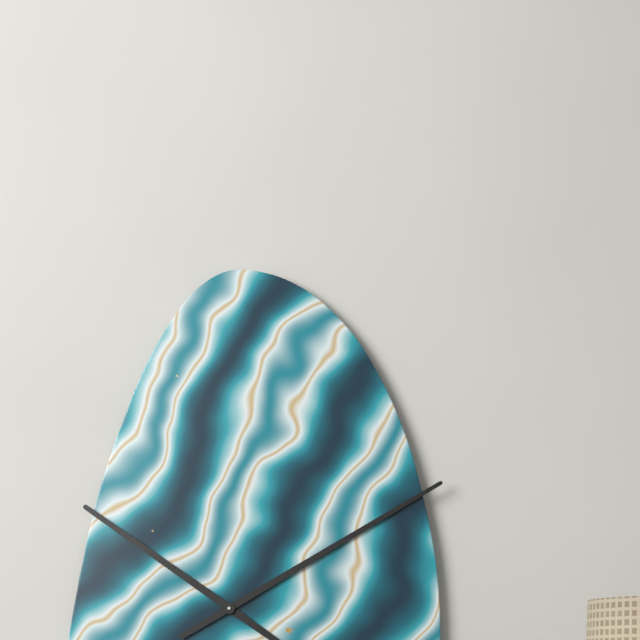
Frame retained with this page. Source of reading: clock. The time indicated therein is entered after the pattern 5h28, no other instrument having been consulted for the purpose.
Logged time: 10h10
